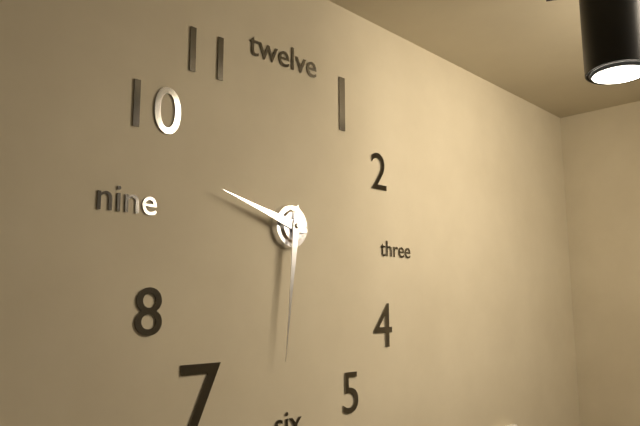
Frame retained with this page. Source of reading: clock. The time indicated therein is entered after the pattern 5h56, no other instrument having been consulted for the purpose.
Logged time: 9h31
